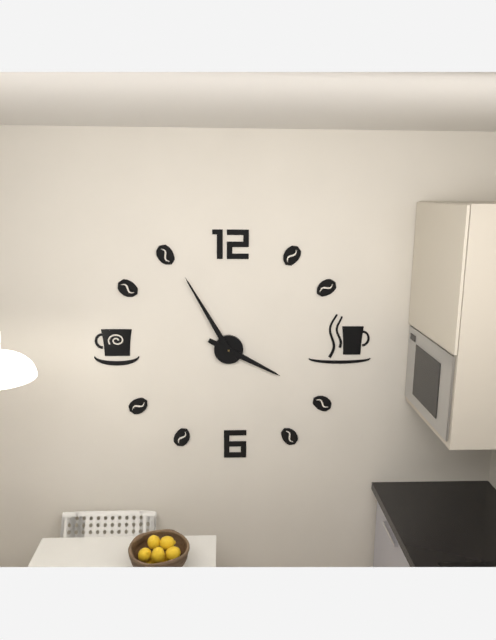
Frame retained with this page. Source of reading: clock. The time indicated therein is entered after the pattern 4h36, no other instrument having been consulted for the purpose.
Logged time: 3h55
